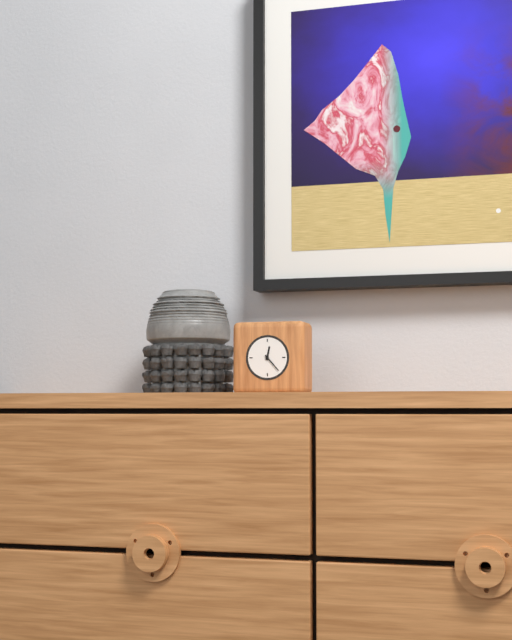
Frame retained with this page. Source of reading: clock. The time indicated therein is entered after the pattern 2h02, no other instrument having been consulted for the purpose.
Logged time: 12h23
